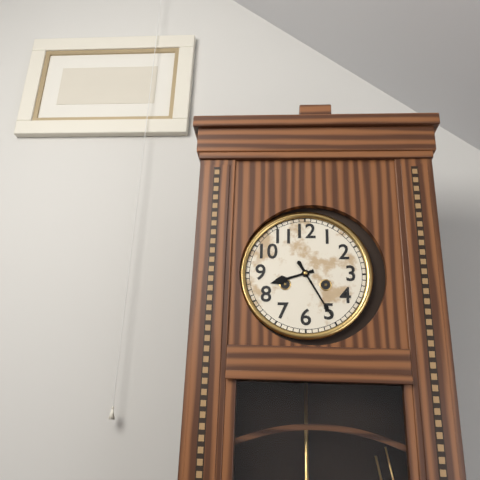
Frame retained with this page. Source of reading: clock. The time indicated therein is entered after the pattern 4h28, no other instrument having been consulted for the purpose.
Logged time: 8h25
